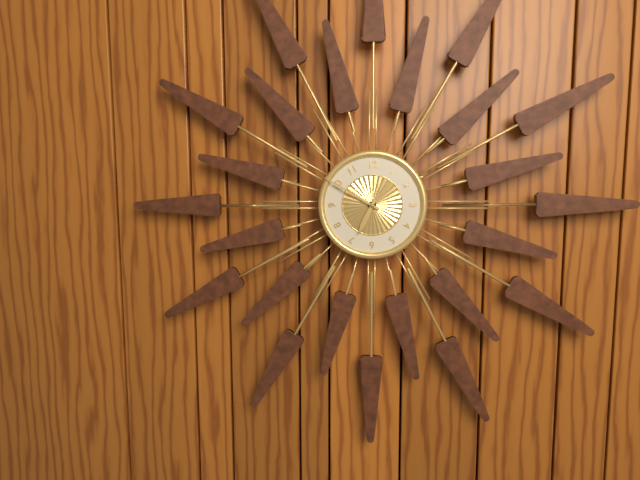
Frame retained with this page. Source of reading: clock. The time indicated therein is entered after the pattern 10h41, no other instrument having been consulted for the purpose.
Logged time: 6h50
